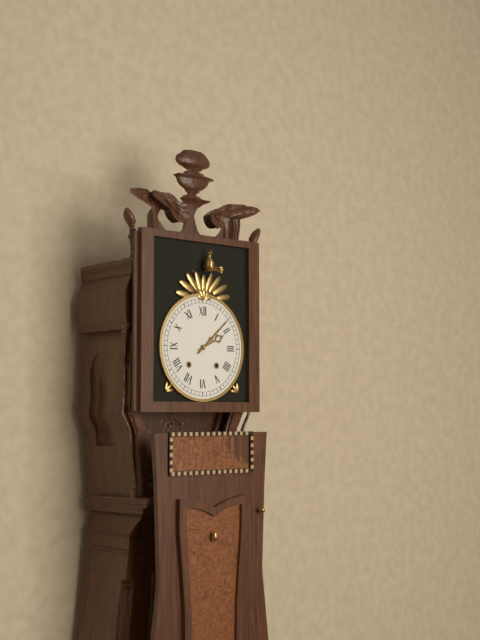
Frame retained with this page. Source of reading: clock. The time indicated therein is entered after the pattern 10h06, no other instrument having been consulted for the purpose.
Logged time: 2h08
